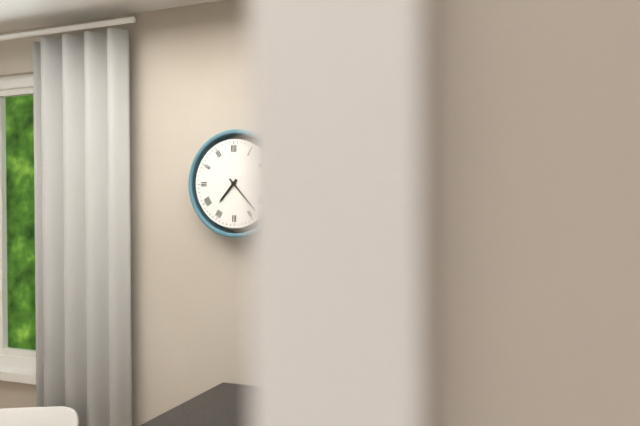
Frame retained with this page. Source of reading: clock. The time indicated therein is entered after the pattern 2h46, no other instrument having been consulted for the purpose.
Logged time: 7h23
